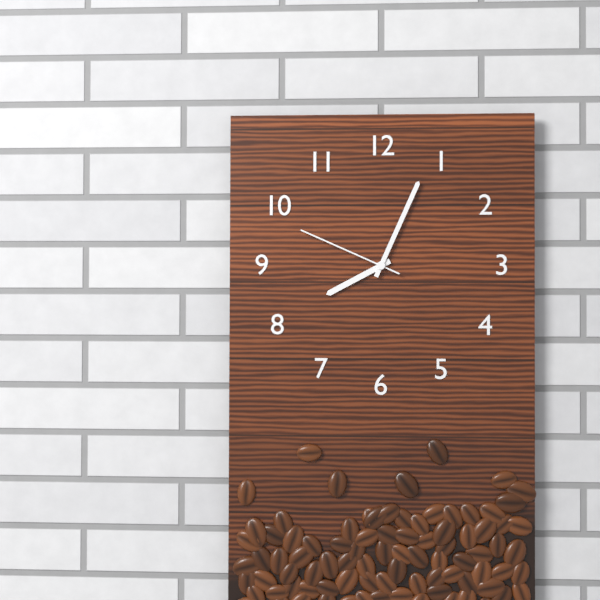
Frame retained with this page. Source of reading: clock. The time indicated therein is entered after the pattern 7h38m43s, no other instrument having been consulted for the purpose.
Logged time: 8h04m49s
